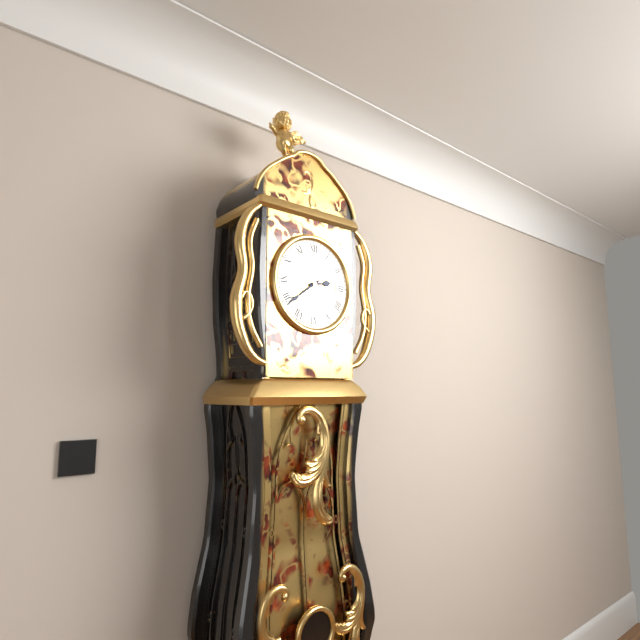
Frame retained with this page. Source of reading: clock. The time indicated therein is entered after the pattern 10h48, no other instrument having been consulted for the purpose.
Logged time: 2h39
